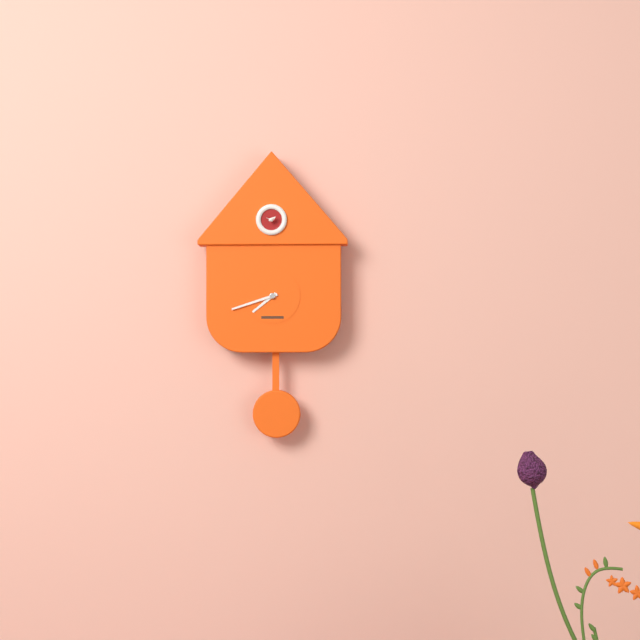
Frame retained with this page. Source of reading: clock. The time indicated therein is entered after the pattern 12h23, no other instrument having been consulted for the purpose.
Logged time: 7h42
